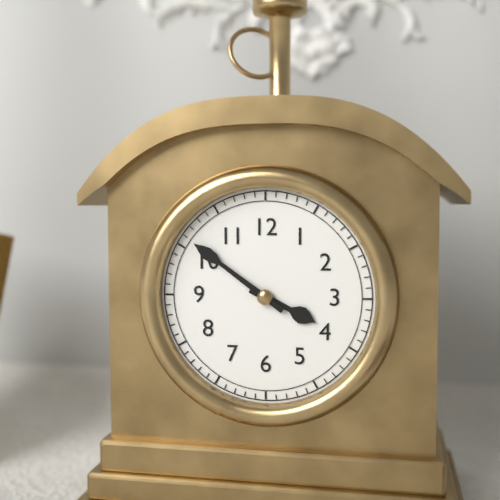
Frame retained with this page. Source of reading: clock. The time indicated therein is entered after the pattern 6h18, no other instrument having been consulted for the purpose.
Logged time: 3h51
